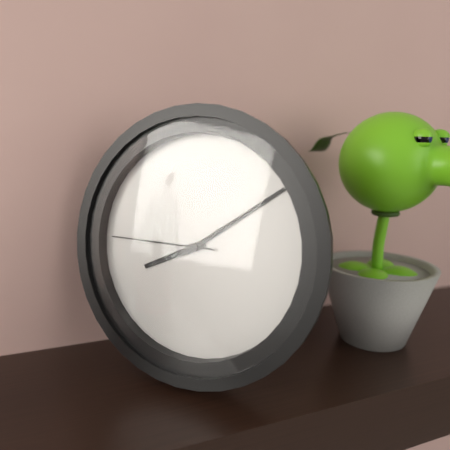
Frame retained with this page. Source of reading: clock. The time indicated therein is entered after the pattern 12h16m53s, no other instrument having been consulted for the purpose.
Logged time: 8h09m45s
